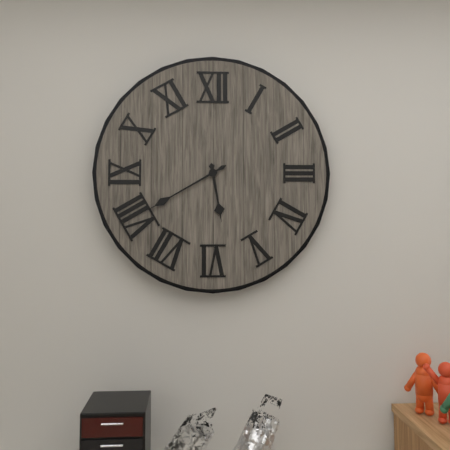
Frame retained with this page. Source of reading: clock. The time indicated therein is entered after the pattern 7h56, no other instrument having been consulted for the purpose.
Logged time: 5h40
